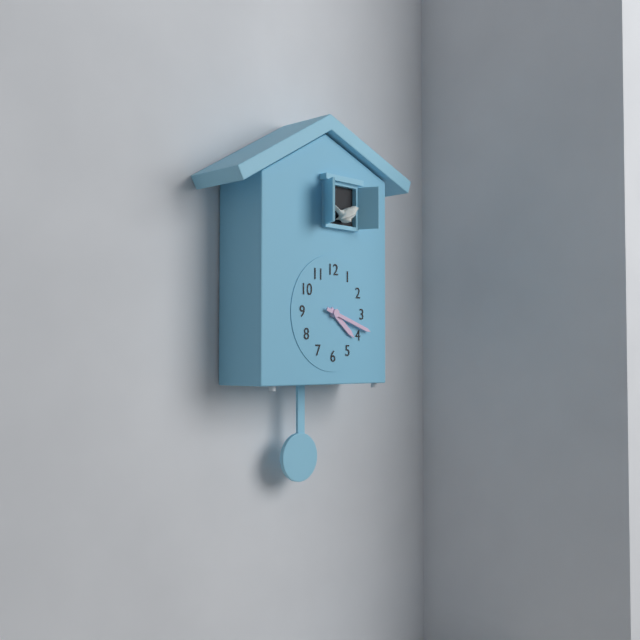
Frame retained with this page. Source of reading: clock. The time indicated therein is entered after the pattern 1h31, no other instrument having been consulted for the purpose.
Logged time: 4h18
